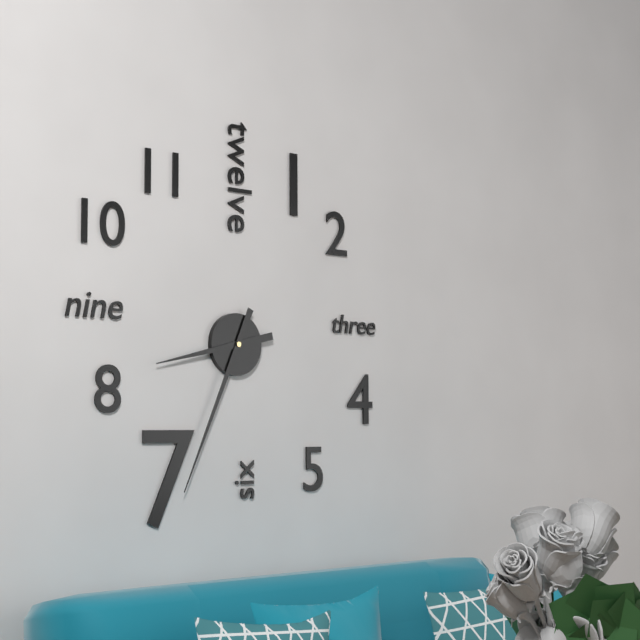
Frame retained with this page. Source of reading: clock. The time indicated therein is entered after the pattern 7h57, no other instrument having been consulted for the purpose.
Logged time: 8h34
